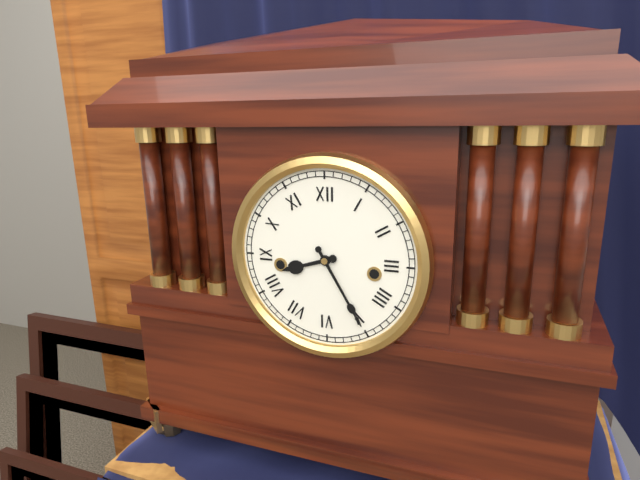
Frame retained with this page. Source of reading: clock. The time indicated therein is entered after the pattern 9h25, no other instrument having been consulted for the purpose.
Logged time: 8h25
